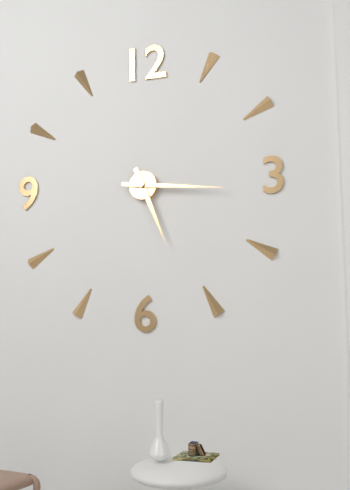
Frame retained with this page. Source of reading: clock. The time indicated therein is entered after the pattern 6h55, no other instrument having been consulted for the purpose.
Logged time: 5h16
